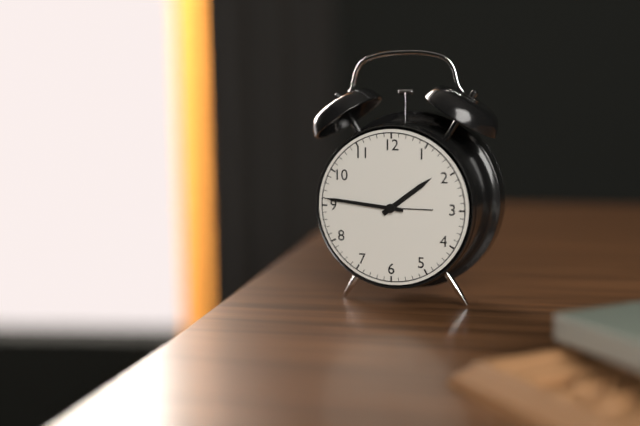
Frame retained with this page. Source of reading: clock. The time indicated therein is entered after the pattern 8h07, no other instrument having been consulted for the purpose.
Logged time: 1h46
